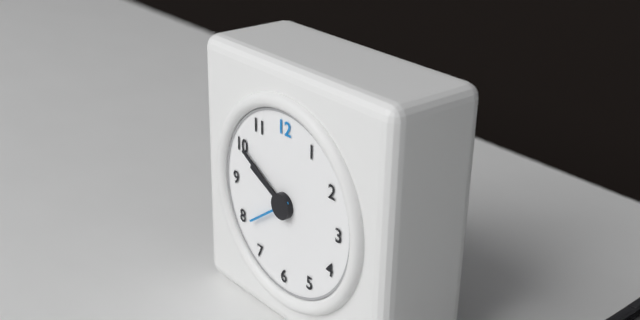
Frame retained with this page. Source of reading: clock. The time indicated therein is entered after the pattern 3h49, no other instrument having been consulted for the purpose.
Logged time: 9h50
